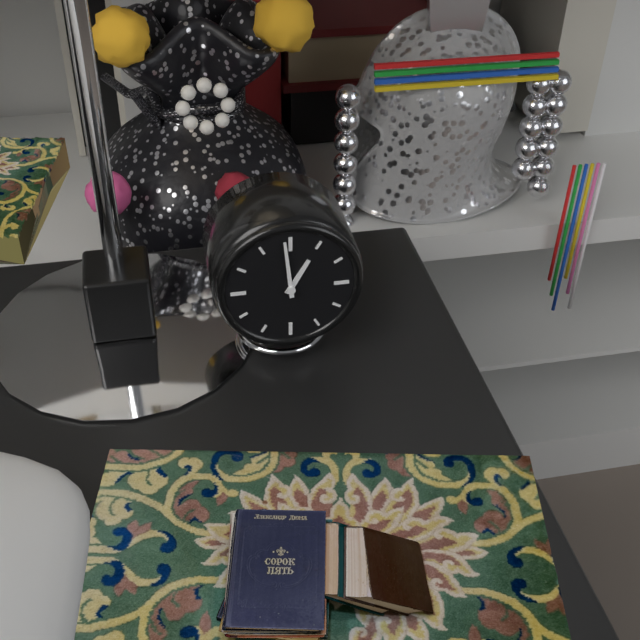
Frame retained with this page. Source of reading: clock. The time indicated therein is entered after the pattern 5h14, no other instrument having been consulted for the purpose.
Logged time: 12h59
